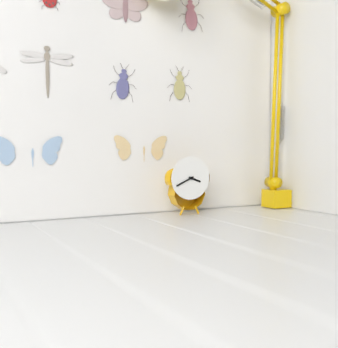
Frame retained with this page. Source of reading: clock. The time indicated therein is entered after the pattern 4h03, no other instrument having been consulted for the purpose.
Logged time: 3h41
